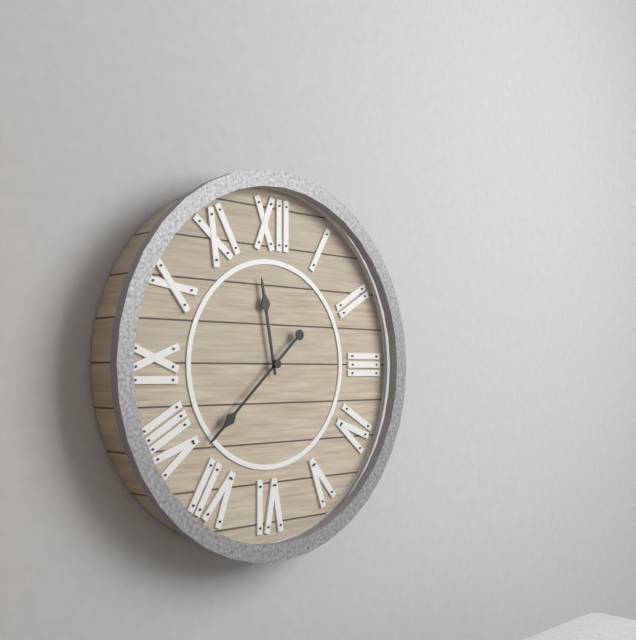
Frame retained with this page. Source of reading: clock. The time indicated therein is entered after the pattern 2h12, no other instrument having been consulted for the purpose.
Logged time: 11h38
